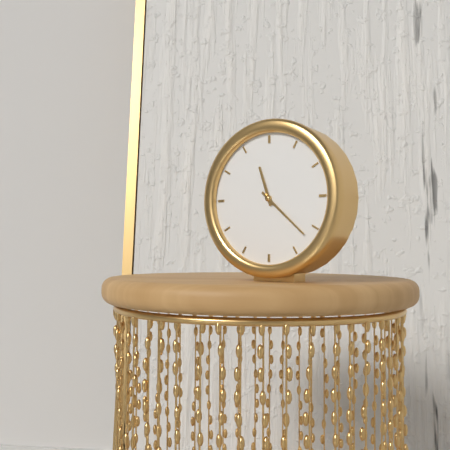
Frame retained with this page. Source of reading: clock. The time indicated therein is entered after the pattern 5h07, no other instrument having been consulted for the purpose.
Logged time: 11h22
